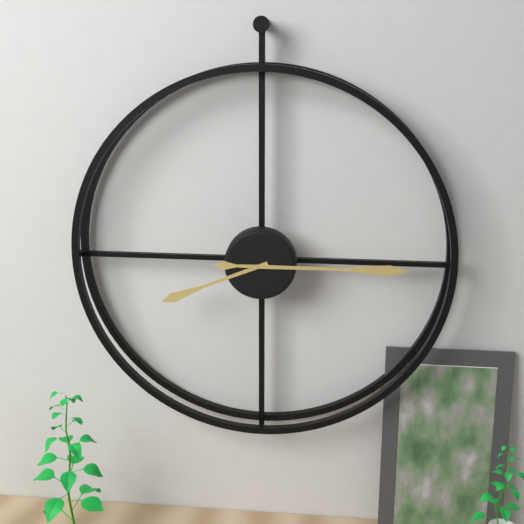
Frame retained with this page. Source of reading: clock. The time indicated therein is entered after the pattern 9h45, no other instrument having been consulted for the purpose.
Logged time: 8h15
